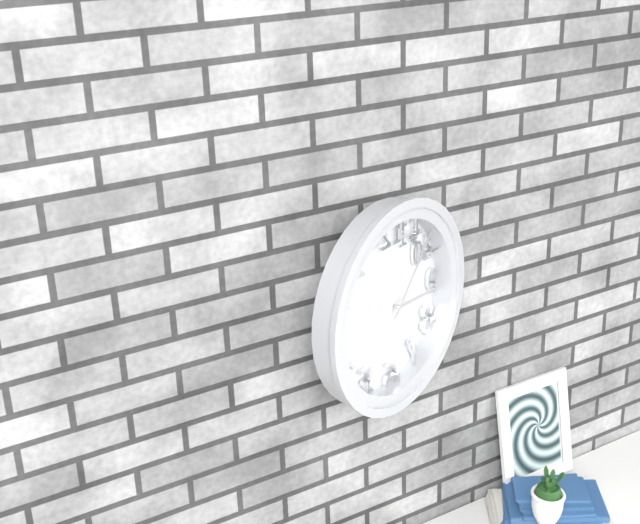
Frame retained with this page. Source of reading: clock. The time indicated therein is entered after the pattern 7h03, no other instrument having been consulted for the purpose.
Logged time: 3h07
